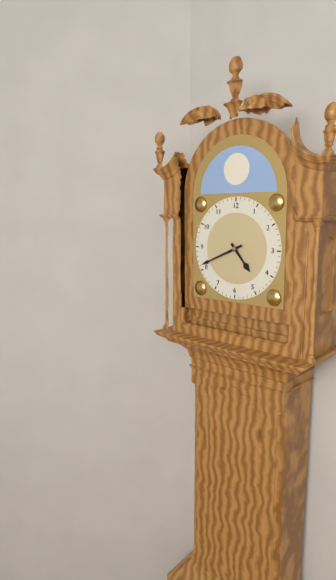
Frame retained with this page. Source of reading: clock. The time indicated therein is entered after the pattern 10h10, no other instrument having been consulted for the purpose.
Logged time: 4h41
